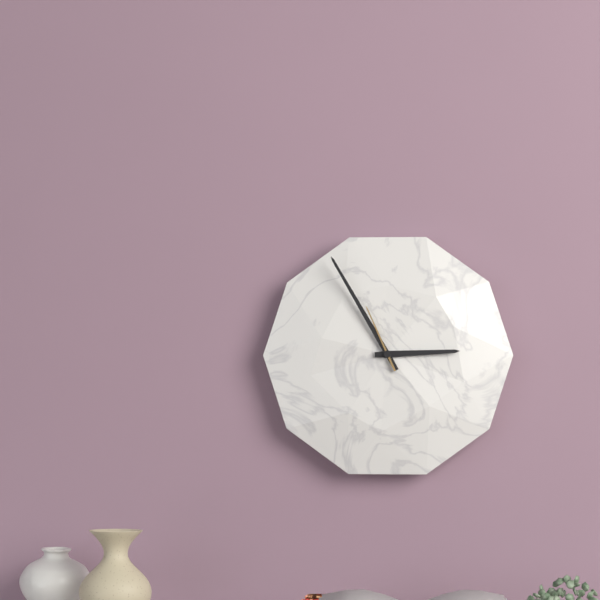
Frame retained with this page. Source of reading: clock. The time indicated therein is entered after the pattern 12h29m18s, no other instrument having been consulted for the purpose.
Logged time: 2h55m56s
